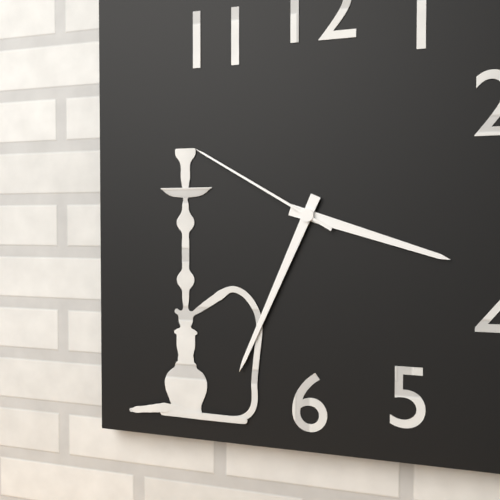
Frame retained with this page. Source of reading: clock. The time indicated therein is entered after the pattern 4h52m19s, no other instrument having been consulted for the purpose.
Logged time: 3h34m50s
